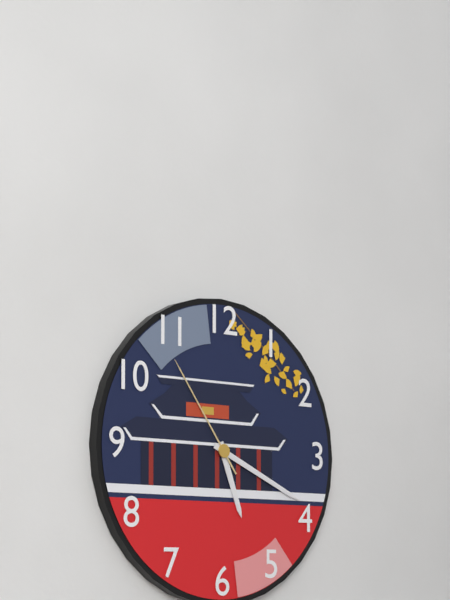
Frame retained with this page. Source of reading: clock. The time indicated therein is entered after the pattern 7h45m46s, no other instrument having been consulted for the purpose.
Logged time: 5h19m54s
